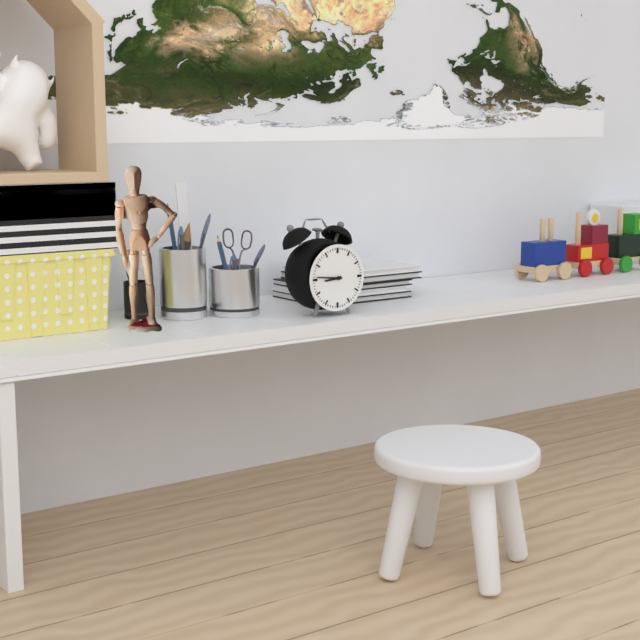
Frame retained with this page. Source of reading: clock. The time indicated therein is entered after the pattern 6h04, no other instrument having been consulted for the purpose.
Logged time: 8h46
